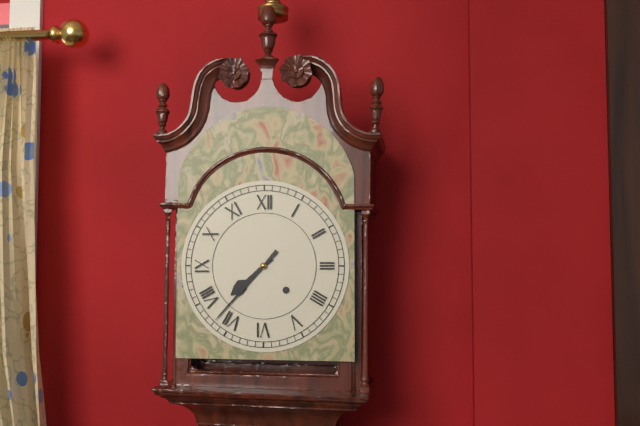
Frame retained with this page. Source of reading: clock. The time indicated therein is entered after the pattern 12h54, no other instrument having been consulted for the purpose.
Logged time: 7h37
